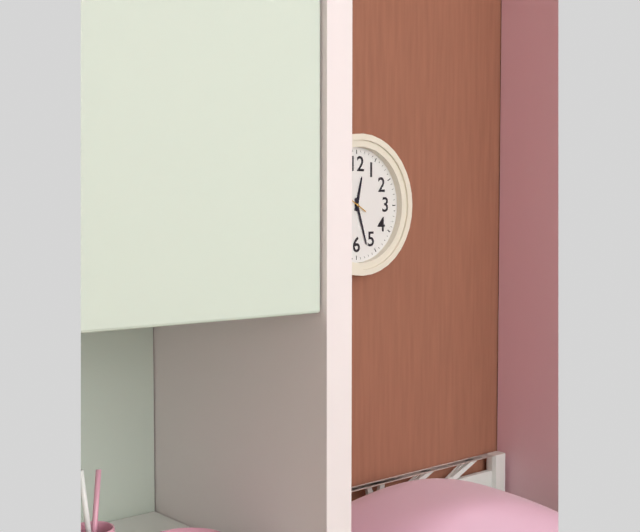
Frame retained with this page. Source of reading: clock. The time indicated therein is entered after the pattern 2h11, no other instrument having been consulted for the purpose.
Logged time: 12h27
